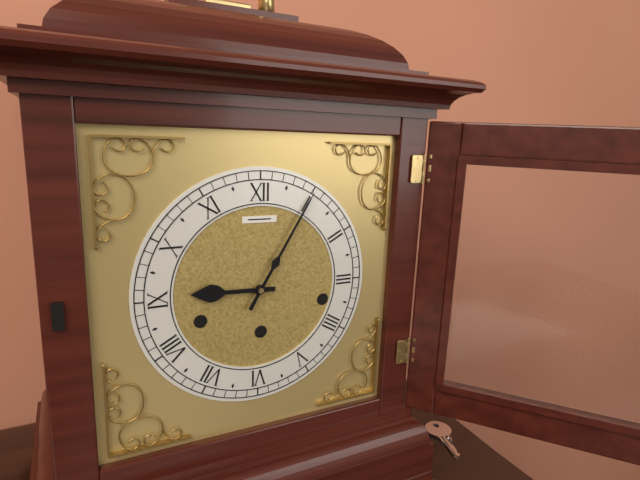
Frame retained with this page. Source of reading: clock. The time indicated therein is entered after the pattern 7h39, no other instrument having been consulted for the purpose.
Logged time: 9h05
